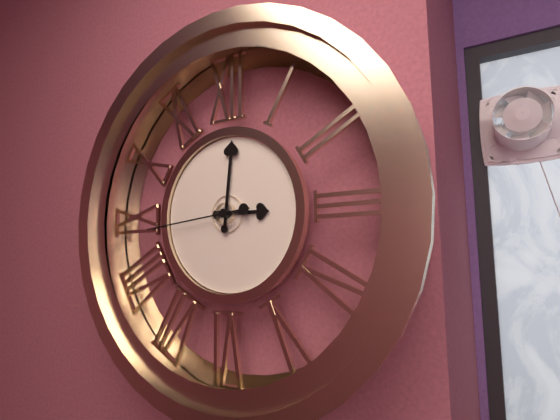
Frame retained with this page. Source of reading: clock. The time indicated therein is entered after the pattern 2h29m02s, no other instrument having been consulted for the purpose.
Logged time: 3h01m44s
